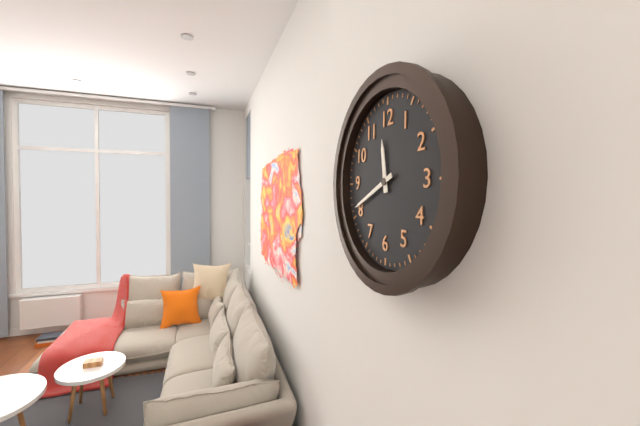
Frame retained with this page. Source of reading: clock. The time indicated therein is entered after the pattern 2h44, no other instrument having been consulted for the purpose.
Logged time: 11h41
